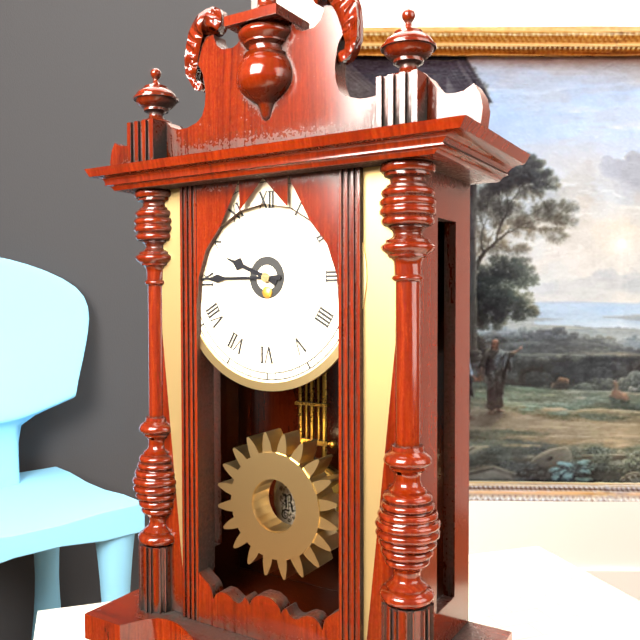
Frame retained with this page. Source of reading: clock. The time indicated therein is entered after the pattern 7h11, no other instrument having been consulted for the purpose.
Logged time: 9h45
